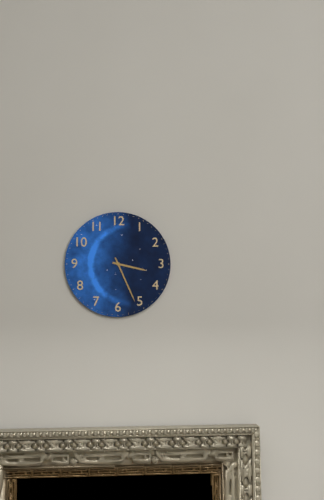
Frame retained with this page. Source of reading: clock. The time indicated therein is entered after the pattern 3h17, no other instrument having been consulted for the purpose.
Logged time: 3h26
